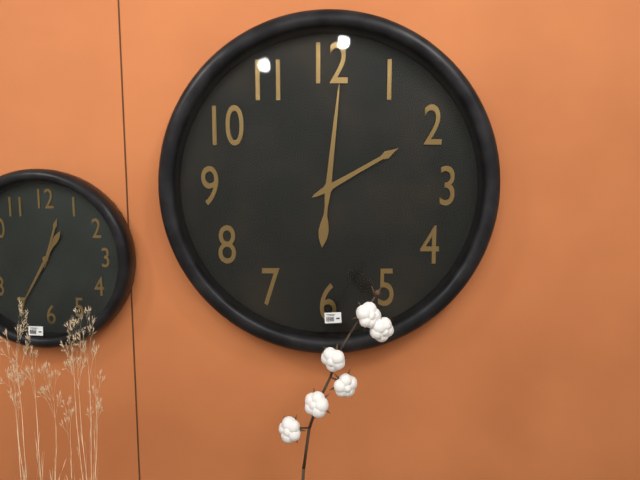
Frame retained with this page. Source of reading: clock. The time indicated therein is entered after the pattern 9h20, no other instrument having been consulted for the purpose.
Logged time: 2h01
